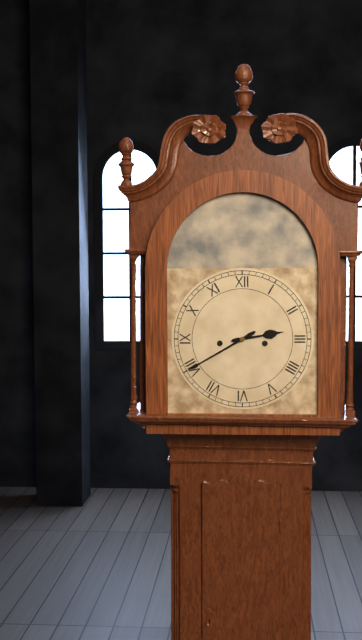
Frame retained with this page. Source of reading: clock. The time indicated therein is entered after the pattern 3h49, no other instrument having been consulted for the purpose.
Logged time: 2h40
